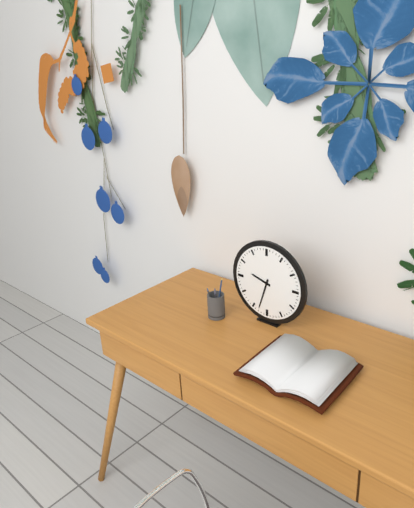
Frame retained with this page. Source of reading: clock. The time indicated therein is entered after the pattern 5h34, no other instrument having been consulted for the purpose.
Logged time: 9h33
